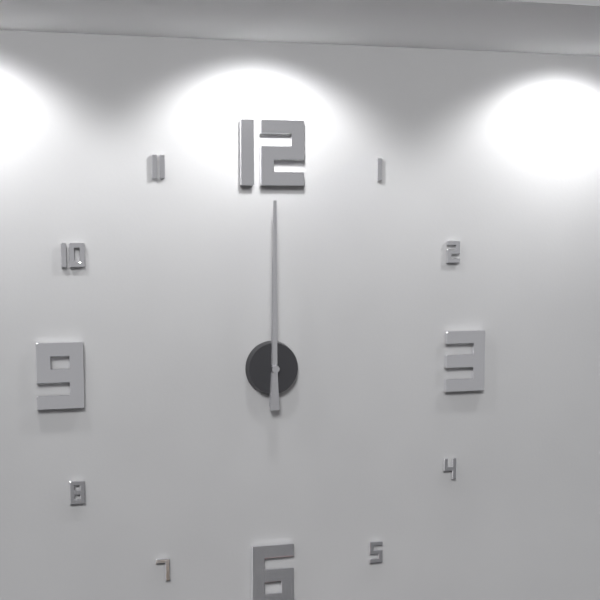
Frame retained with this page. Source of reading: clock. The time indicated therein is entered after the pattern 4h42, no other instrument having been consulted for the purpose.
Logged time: 12h00
